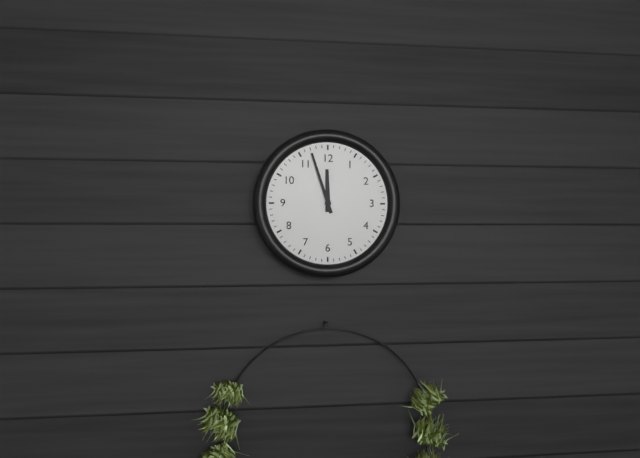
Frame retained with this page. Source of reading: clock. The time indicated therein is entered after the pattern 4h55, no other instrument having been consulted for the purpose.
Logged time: 11h57
